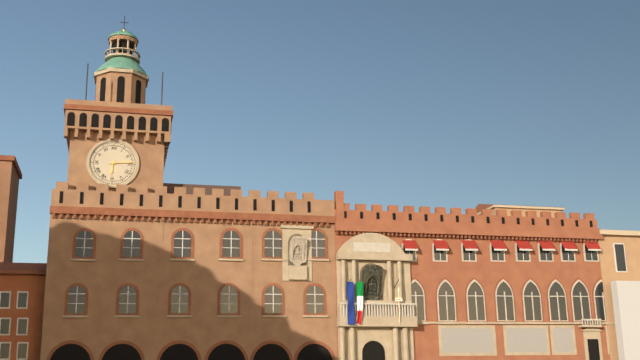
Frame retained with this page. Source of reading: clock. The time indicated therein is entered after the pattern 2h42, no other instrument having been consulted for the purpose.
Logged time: 6h14
